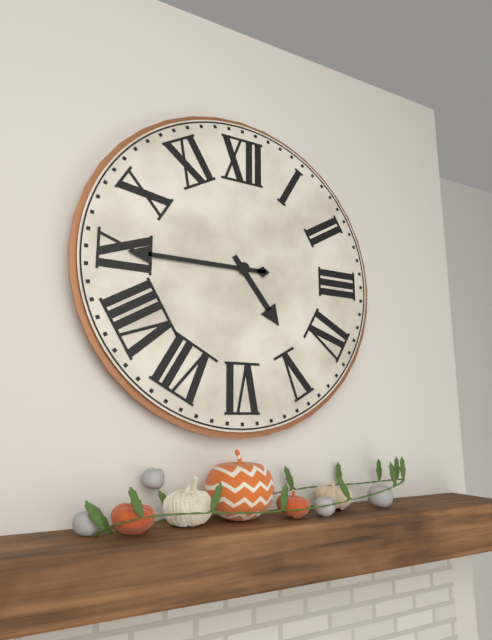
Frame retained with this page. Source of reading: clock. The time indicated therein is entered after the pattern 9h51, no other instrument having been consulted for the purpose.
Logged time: 4h45
